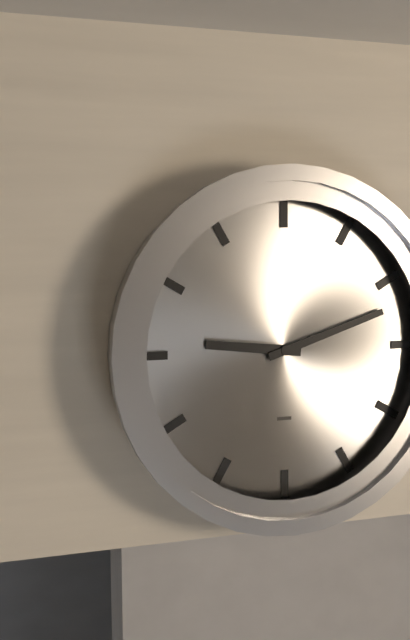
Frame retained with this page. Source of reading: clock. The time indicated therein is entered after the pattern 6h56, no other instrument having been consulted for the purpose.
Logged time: 9h12
